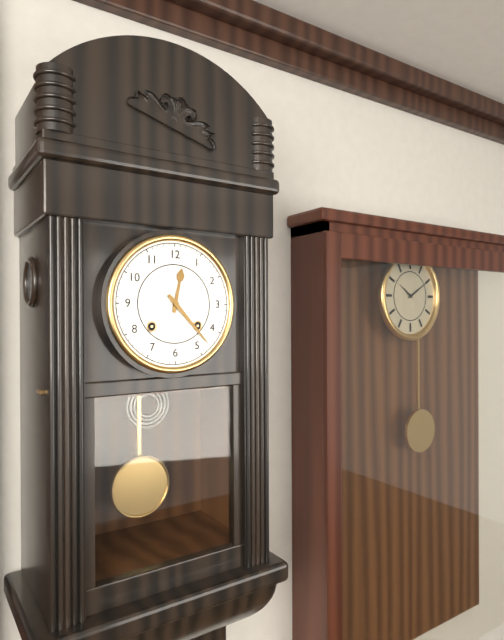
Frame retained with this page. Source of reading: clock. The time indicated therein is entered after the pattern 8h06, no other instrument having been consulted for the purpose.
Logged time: 12h23
